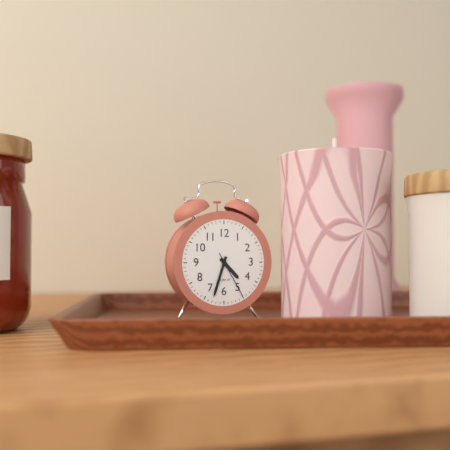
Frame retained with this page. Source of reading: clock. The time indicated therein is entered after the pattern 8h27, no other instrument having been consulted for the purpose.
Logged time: 4h33
